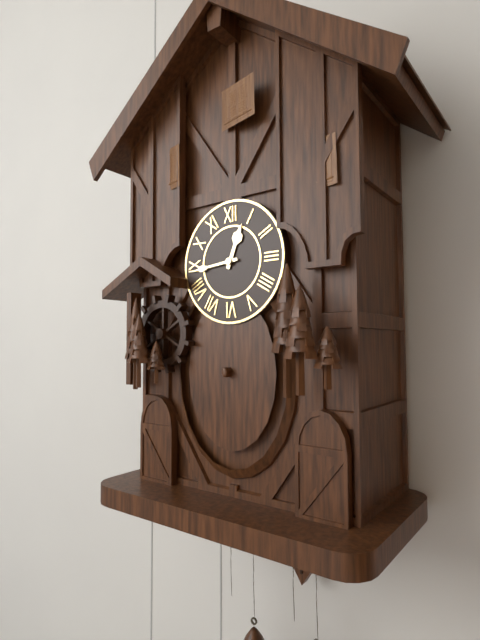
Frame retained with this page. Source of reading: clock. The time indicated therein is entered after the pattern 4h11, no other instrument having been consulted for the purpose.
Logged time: 12h44
